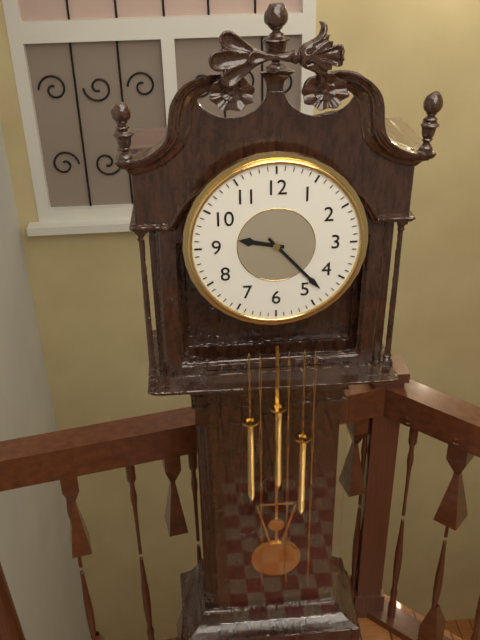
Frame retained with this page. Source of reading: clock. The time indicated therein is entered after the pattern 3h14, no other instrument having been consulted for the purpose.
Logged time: 9h23
